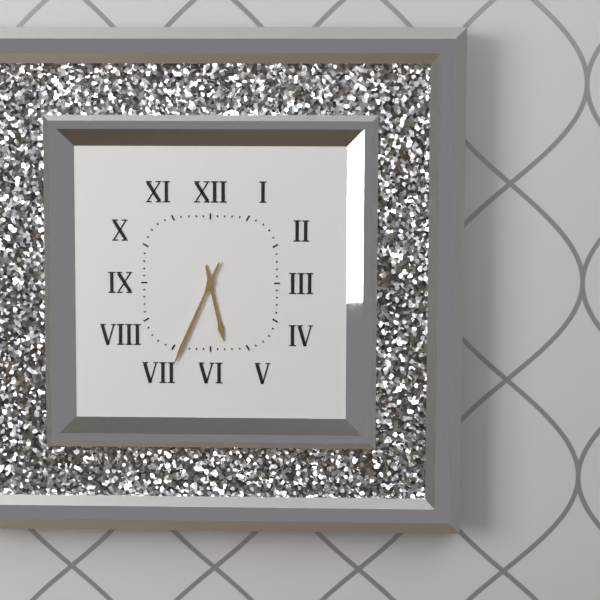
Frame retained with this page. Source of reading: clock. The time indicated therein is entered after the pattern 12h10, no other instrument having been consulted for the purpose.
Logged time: 5h34
